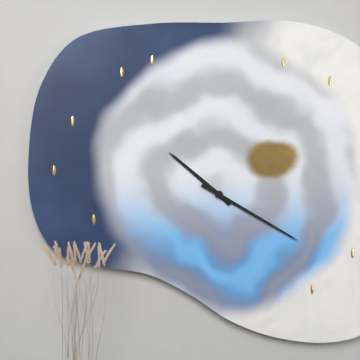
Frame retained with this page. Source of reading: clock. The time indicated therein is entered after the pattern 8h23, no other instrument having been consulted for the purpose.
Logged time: 10h20
